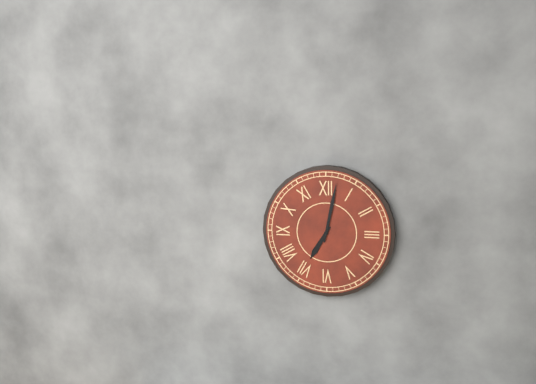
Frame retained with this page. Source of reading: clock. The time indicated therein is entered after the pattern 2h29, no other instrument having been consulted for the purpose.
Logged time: 7h02
